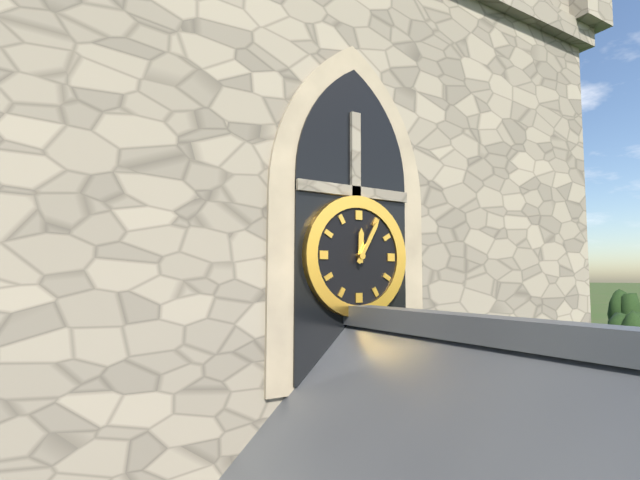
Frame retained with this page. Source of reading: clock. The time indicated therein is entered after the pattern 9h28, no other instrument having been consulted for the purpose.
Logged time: 12h05
